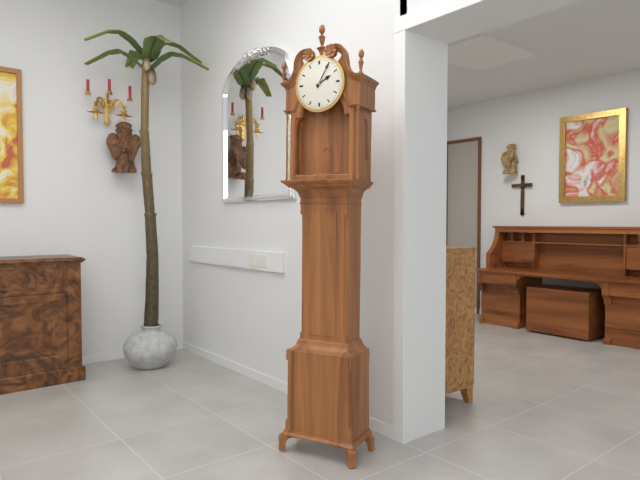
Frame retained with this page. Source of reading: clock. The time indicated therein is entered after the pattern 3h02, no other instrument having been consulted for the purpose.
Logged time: 2h05
